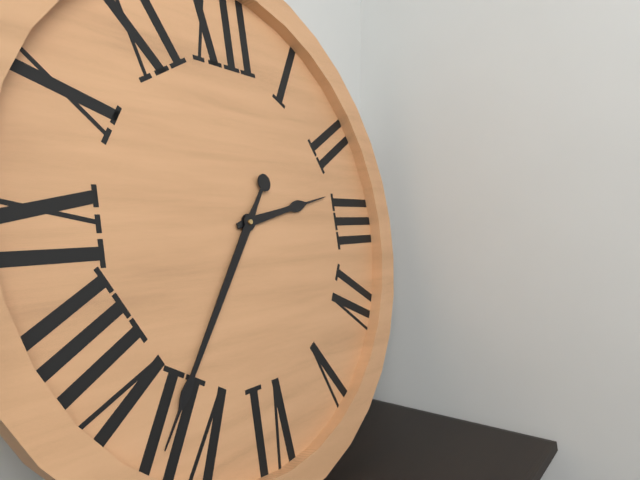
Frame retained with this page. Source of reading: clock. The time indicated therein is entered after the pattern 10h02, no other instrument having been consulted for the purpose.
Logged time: 2h36
